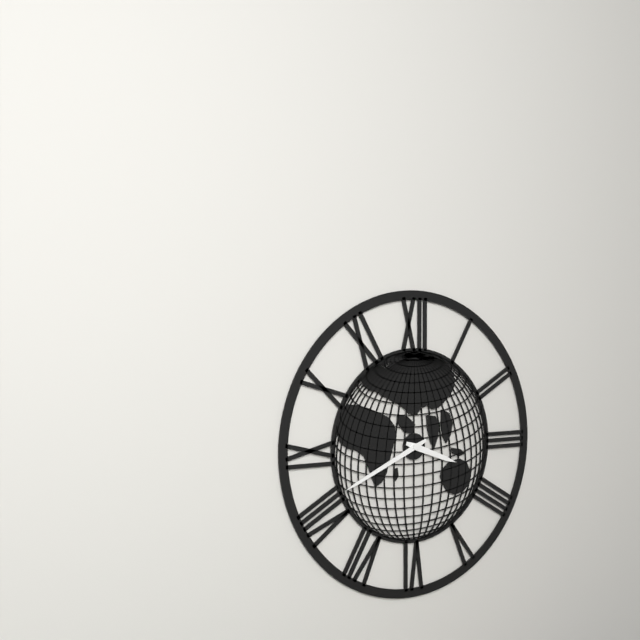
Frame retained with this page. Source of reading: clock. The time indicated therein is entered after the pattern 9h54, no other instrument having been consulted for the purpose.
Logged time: 3h41
